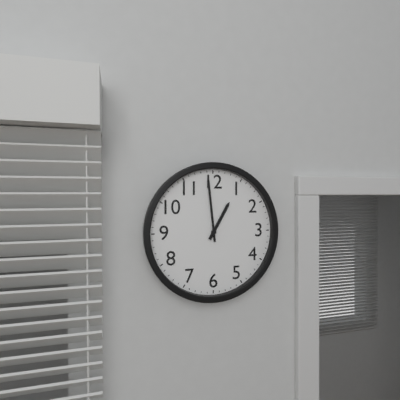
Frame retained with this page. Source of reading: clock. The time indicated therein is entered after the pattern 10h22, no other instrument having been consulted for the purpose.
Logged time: 12h59
